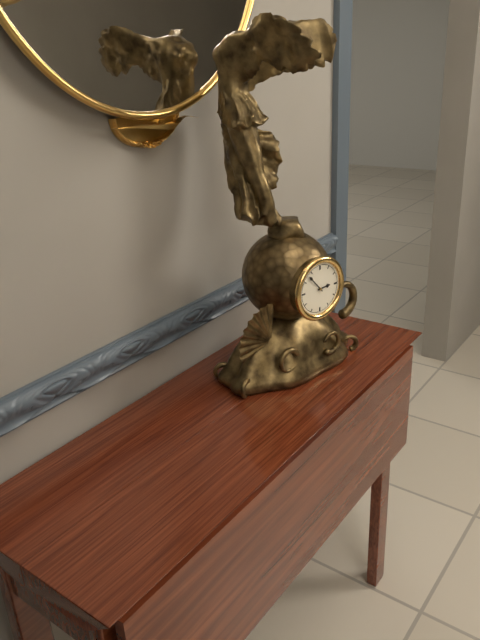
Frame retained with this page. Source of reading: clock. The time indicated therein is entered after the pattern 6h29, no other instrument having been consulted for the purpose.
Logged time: 2h53
